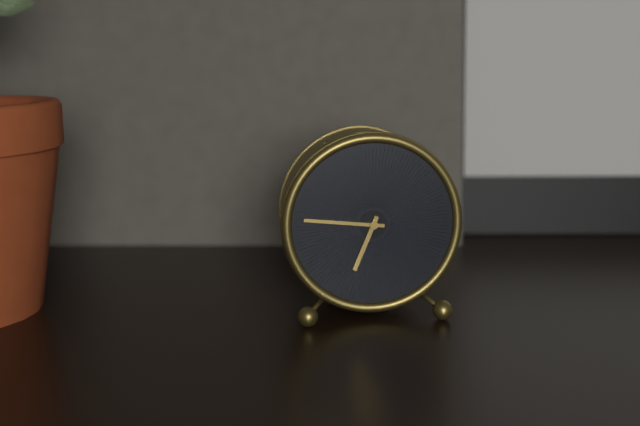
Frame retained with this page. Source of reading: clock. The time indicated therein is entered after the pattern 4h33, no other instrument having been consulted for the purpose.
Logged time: 6h46
